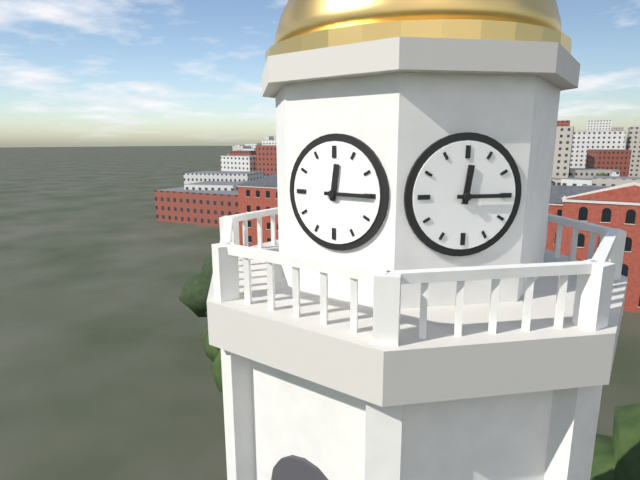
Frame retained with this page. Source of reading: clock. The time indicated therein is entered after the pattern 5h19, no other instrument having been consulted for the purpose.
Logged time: 12h15
